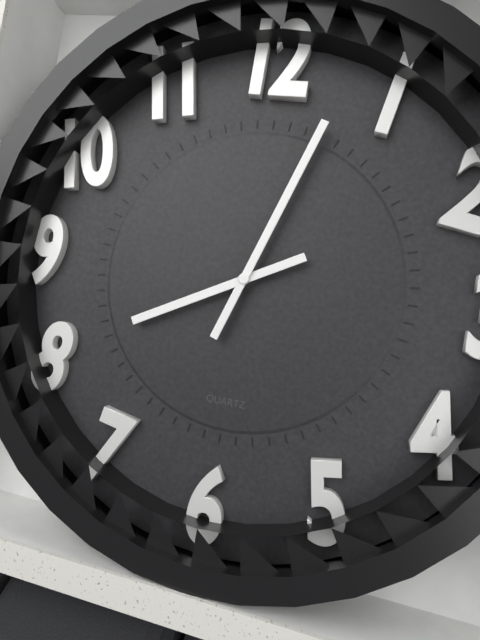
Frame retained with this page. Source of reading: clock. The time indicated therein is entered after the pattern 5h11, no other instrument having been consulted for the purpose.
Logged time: 8h03
